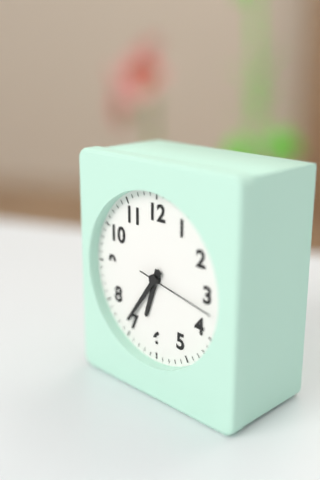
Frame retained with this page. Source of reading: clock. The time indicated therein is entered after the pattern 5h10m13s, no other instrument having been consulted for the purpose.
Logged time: 6h36m17s
